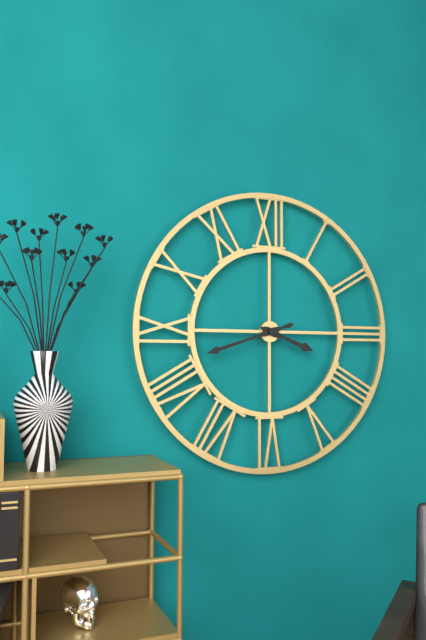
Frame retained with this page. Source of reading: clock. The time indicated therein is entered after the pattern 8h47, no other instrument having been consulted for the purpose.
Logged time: 3h42
